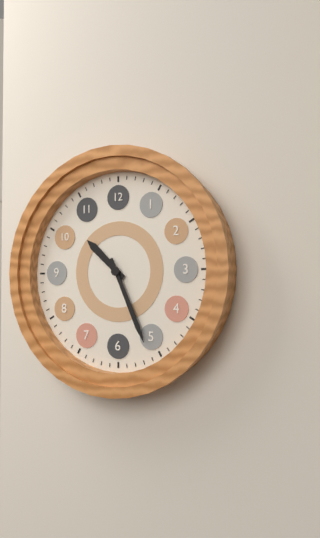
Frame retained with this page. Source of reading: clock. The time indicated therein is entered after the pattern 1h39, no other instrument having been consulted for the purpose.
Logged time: 10h26
